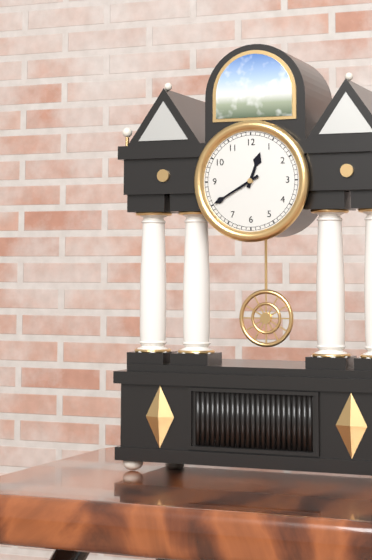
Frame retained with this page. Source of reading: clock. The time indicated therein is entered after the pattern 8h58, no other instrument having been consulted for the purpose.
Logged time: 12h40
